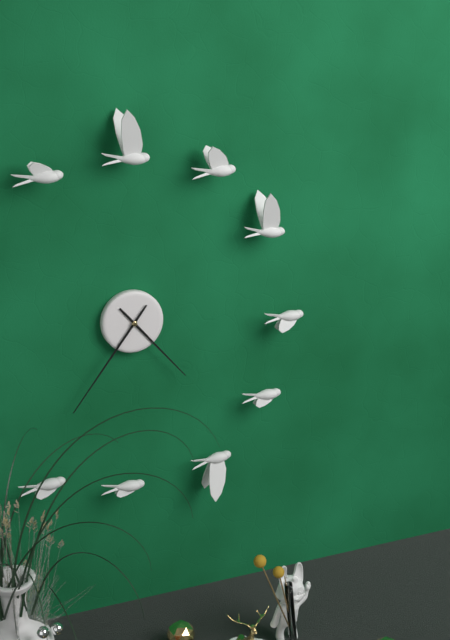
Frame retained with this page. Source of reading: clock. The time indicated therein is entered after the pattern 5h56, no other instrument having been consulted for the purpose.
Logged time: 4h36
